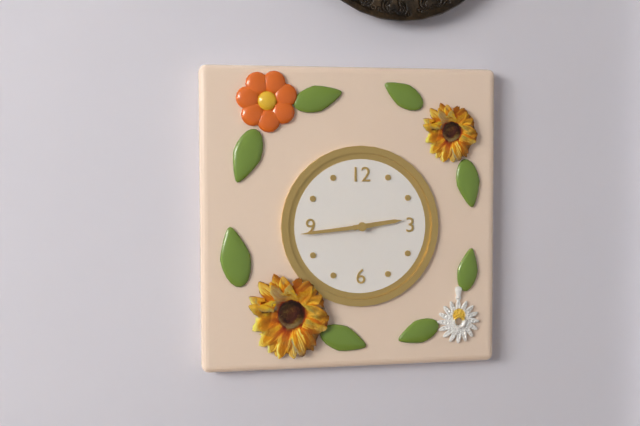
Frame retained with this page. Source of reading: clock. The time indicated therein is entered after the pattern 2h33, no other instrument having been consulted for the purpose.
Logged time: 2h44
